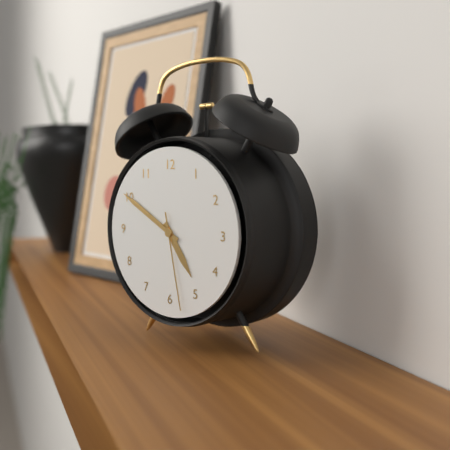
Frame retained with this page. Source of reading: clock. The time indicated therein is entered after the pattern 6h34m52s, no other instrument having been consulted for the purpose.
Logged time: 4h50m28s
